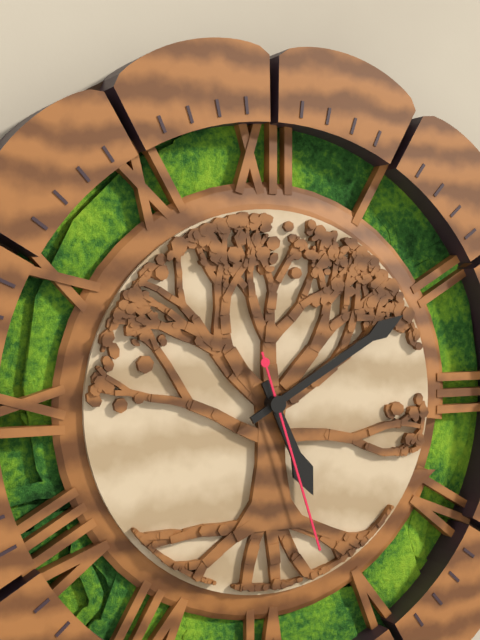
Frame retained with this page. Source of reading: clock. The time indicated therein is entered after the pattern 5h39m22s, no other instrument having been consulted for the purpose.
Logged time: 5h10m27s
